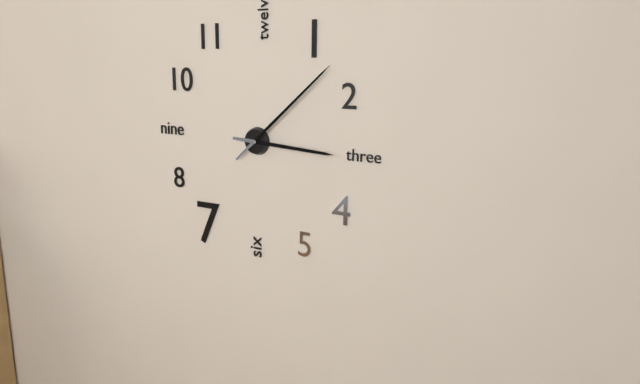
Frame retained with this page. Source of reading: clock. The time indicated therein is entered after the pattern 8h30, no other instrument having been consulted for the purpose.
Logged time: 3h08
